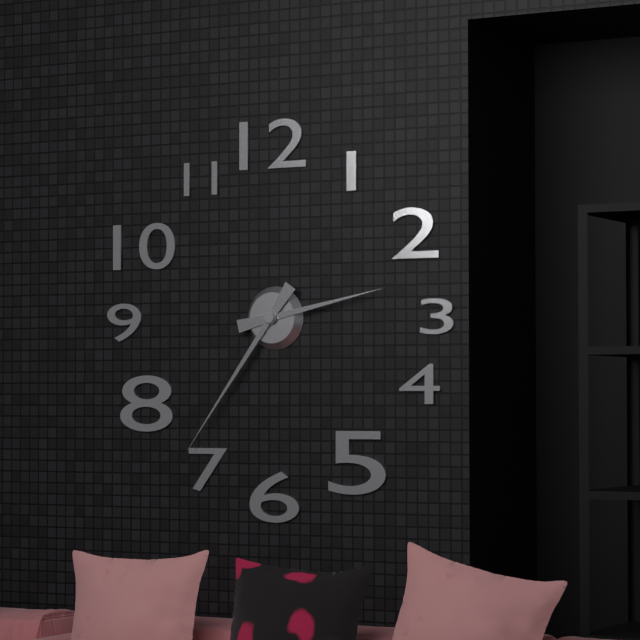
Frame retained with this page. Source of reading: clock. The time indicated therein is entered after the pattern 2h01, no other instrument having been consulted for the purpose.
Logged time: 2h36
